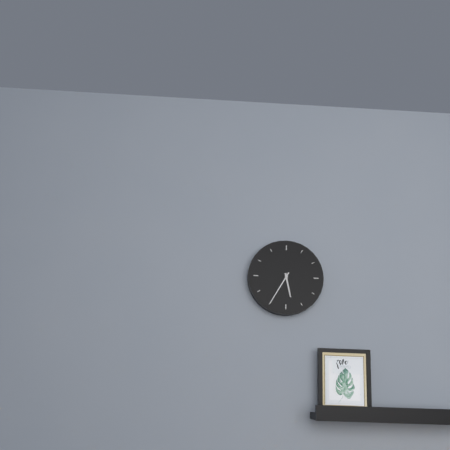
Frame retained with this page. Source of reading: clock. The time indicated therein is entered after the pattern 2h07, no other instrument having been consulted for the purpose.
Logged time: 5h35
